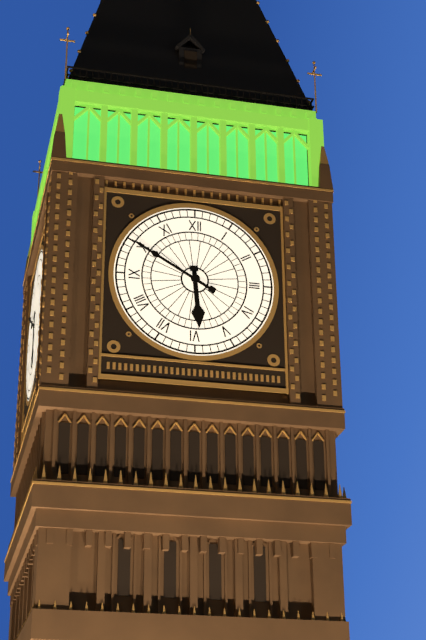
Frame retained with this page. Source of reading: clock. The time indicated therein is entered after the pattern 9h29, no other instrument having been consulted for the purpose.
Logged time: 5h50
